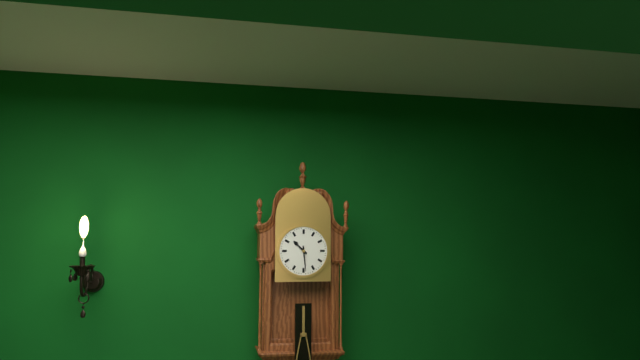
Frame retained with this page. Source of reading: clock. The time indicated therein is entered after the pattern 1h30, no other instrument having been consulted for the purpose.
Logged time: 10h29
